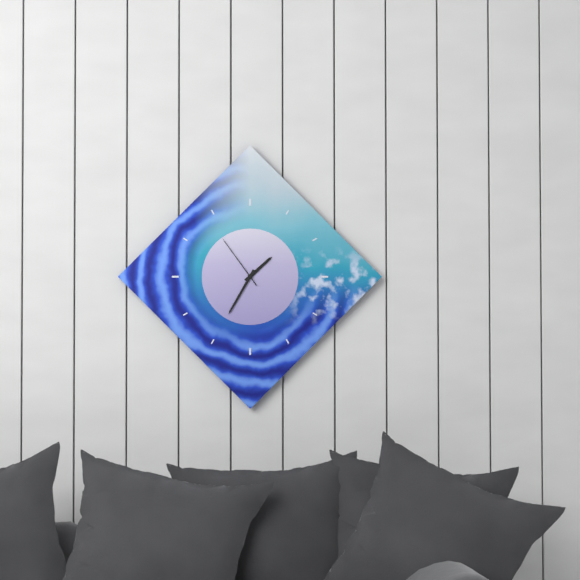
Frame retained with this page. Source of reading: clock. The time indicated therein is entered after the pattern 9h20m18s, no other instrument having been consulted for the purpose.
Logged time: 1h35m54s
